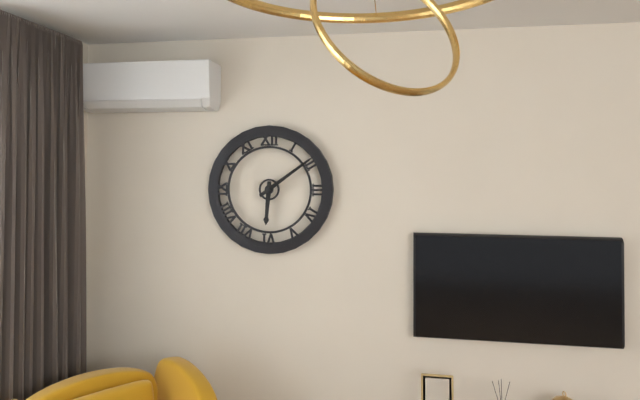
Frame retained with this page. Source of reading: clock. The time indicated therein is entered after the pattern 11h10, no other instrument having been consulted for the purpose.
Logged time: 6h09
